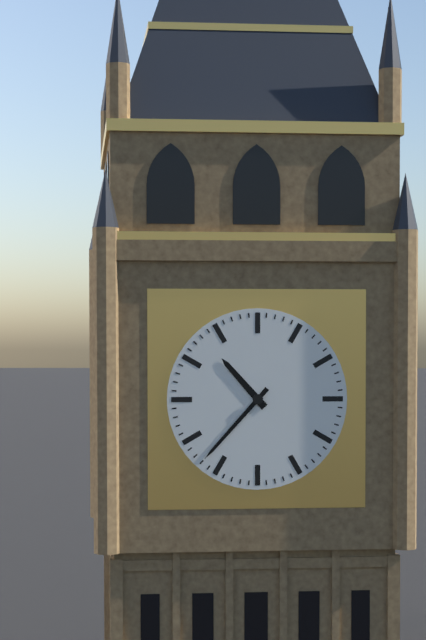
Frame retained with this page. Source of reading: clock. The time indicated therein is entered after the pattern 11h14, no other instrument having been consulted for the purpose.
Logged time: 10h37
